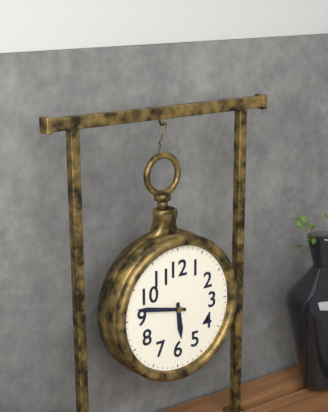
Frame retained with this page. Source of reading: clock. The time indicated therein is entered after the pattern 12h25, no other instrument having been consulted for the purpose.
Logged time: 5h47
